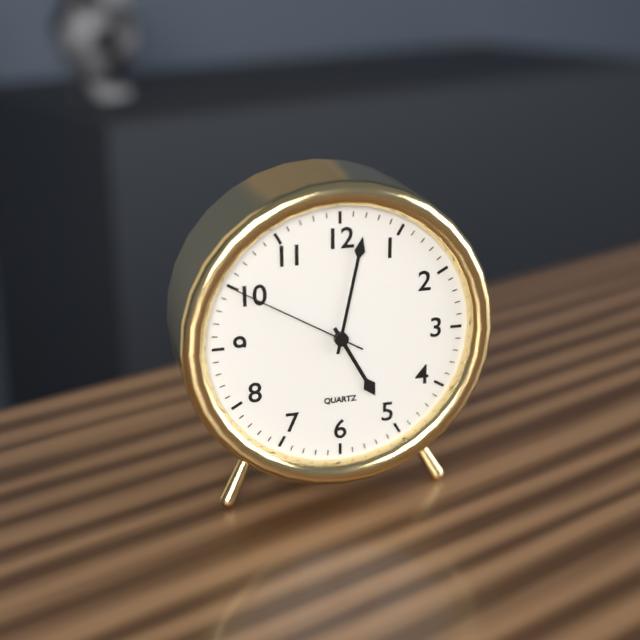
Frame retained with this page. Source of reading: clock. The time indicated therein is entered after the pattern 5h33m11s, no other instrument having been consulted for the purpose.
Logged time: 5h02m50s
